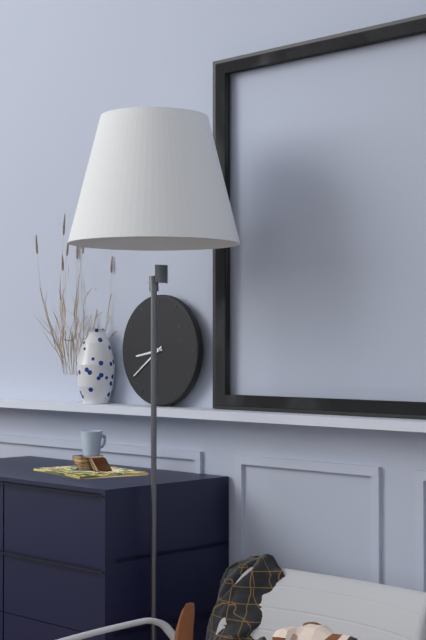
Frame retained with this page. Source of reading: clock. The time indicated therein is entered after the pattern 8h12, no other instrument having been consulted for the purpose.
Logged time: 8h39
